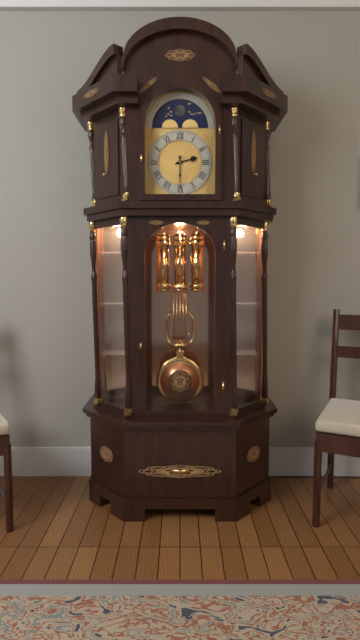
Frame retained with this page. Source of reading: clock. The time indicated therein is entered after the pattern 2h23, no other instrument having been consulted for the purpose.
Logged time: 2h30
